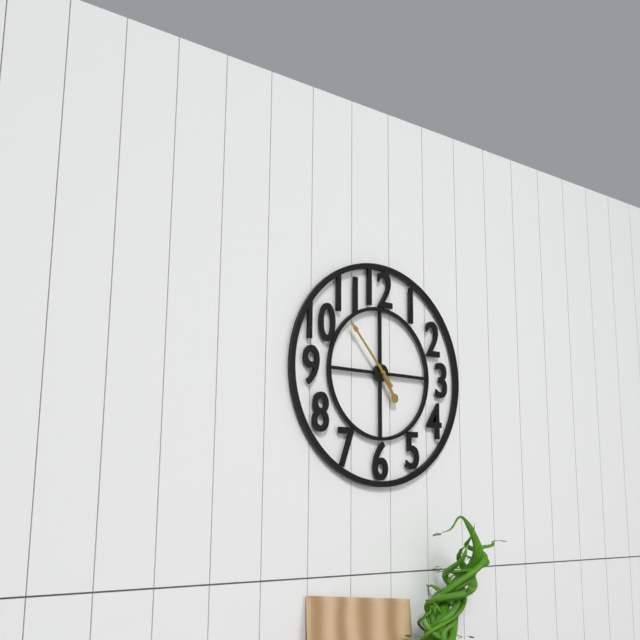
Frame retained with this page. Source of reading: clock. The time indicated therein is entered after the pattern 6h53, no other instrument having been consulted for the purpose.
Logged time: 4h53
